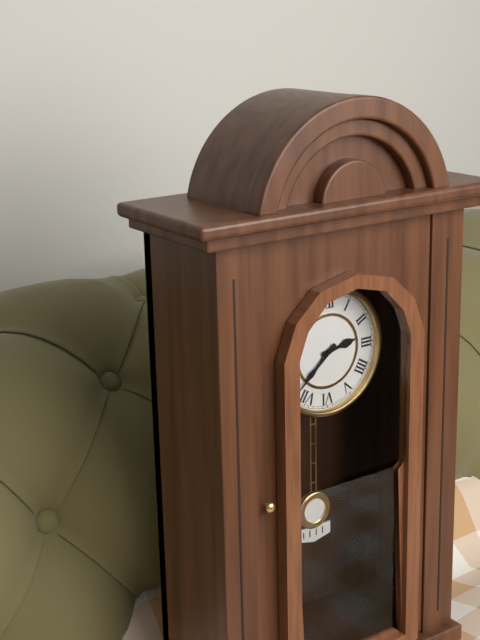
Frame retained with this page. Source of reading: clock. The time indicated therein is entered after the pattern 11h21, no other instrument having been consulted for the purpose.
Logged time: 2h38
